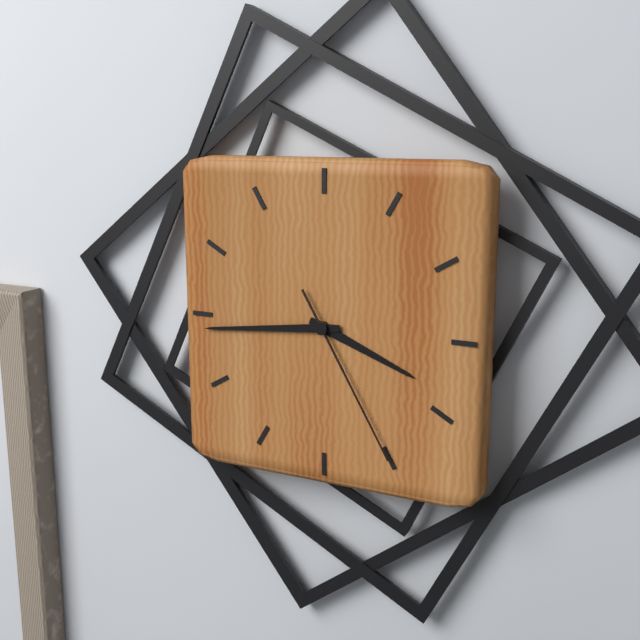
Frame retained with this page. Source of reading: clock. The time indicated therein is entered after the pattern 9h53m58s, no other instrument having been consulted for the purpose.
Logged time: 3h44m25s
